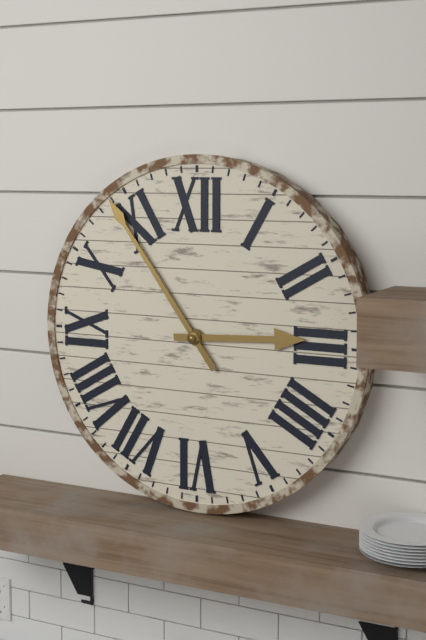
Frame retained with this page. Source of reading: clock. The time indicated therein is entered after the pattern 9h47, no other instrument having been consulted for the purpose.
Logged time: 2h54
